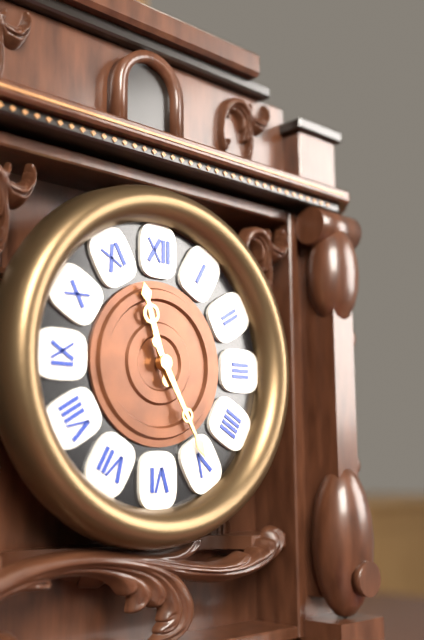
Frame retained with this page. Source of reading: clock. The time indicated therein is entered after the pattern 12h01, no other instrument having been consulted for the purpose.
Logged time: 11h25
